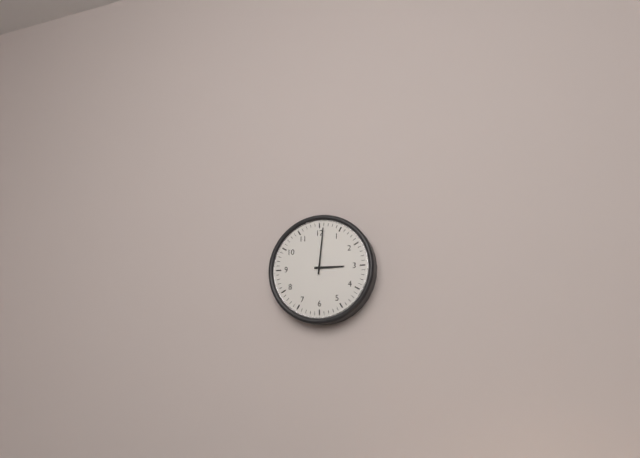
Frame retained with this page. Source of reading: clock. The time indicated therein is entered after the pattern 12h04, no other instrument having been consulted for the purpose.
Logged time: 3h01
